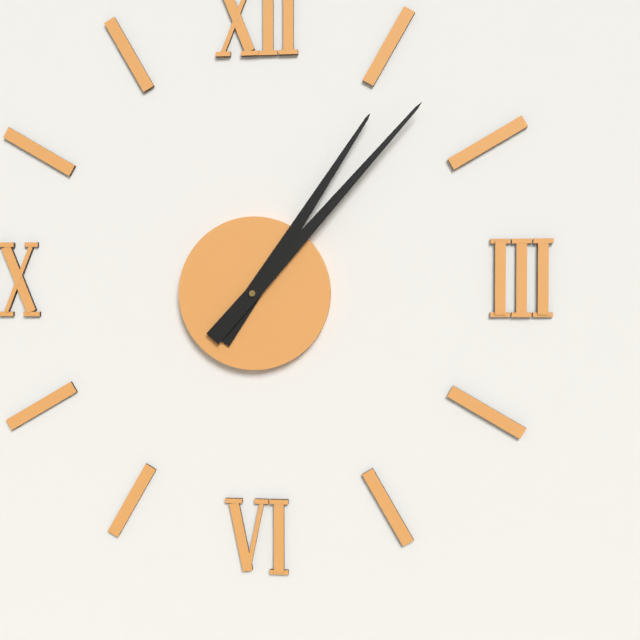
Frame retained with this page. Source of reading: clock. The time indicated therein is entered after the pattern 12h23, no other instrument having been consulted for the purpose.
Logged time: 1h07
